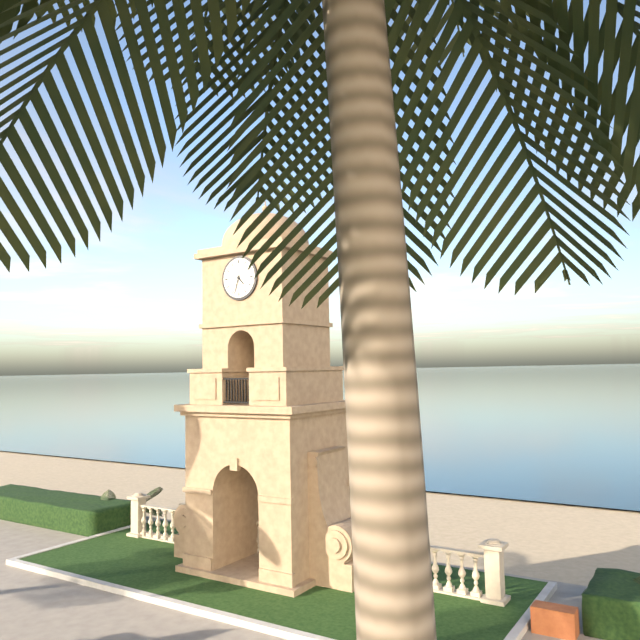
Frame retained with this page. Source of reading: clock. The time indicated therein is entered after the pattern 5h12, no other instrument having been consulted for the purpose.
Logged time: 4h33
